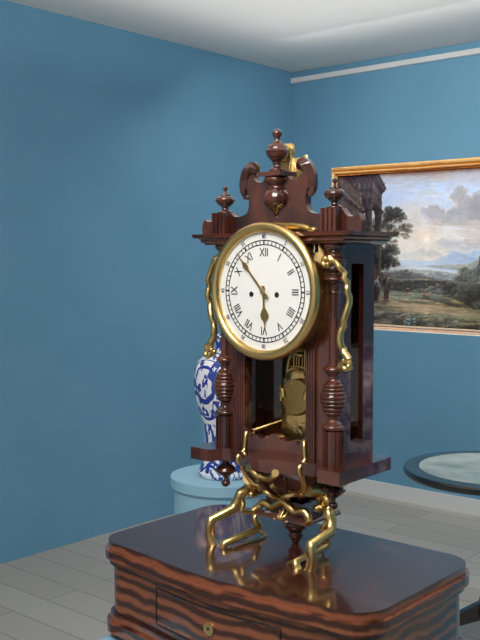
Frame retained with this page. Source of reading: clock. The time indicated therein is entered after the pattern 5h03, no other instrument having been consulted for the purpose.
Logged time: 5h53
